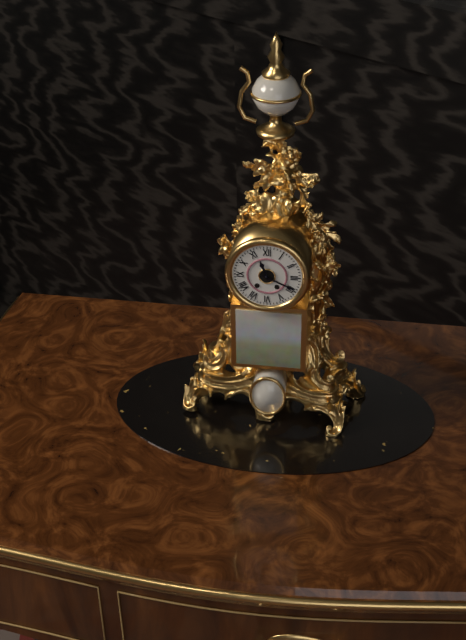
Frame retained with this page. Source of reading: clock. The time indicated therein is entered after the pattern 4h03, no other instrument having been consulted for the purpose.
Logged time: 11h19
